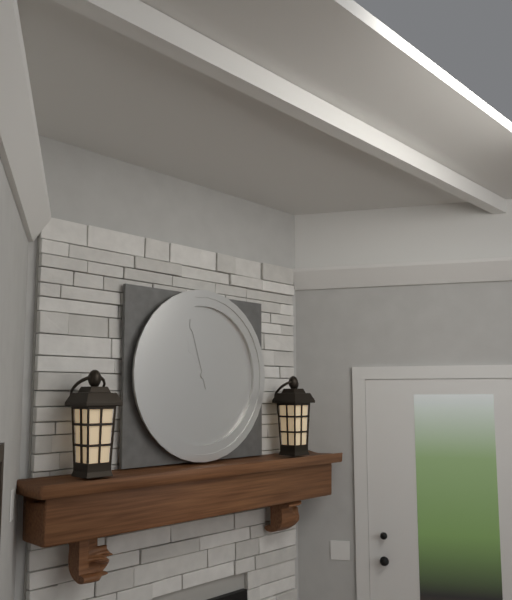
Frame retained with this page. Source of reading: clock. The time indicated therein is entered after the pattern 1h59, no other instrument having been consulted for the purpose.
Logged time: 10h57
